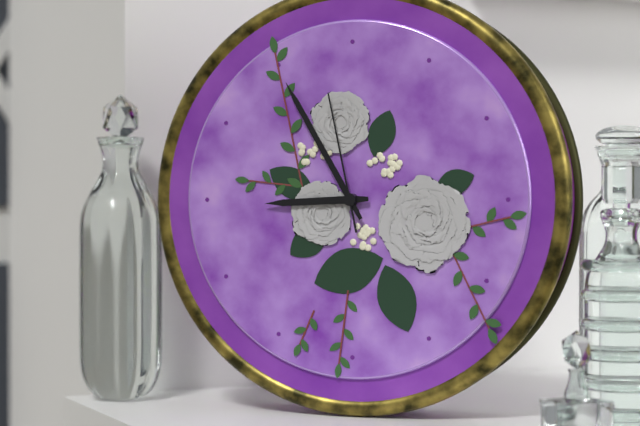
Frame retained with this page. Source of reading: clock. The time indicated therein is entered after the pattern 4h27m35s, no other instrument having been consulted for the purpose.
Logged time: 8h55m58s
